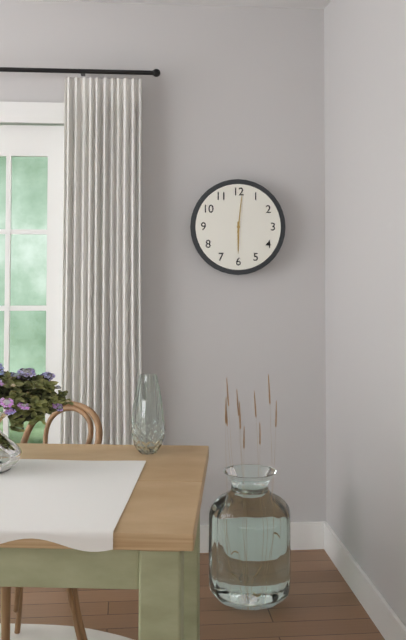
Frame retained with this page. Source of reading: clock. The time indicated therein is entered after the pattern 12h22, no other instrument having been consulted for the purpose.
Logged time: 6h01
